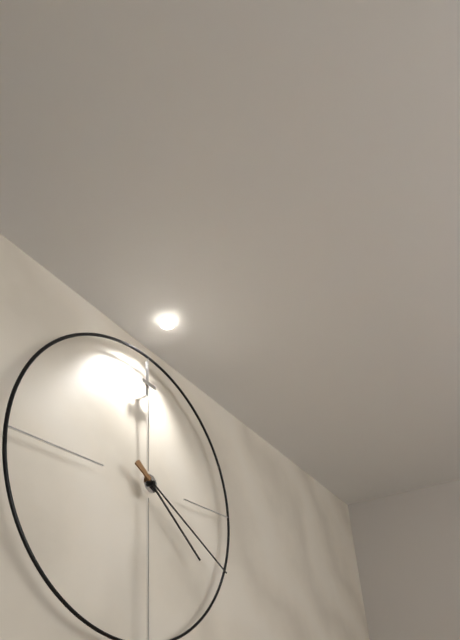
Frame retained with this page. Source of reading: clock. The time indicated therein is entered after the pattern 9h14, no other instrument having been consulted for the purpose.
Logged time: 4h20
